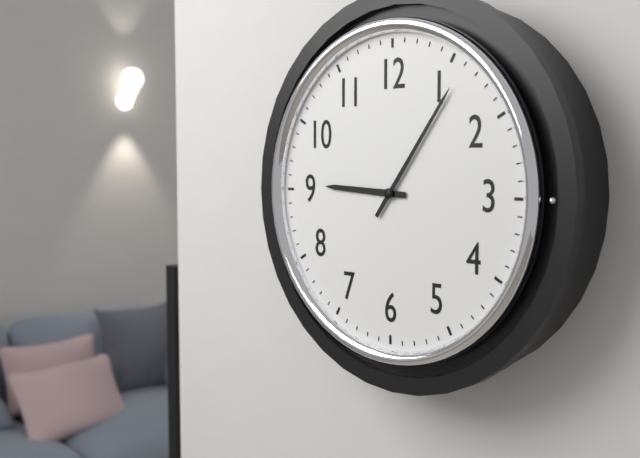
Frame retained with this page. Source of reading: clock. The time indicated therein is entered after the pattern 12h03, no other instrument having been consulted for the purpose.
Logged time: 9h06
